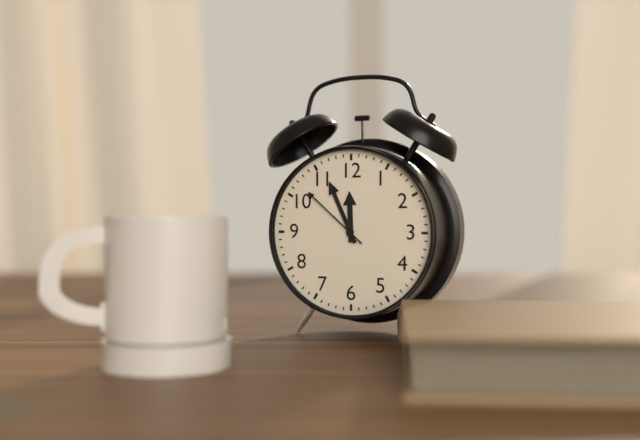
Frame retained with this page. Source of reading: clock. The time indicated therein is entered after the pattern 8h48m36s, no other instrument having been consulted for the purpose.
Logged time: 11h56m52s
